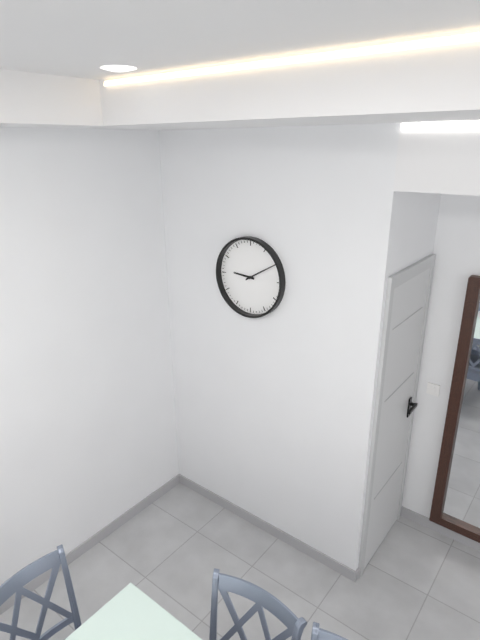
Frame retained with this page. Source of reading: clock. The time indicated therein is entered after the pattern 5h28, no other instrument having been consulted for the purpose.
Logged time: 9h10
